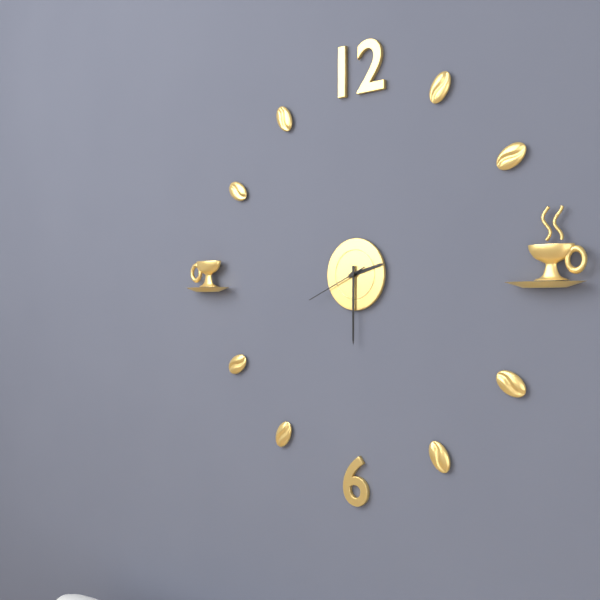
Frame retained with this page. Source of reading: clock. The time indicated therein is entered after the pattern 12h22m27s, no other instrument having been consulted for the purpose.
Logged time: 2h30m41s
